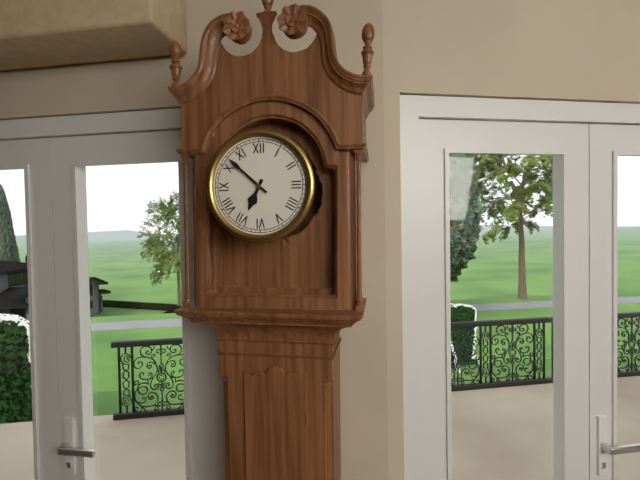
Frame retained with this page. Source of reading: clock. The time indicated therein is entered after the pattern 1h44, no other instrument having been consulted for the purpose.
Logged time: 6h52
